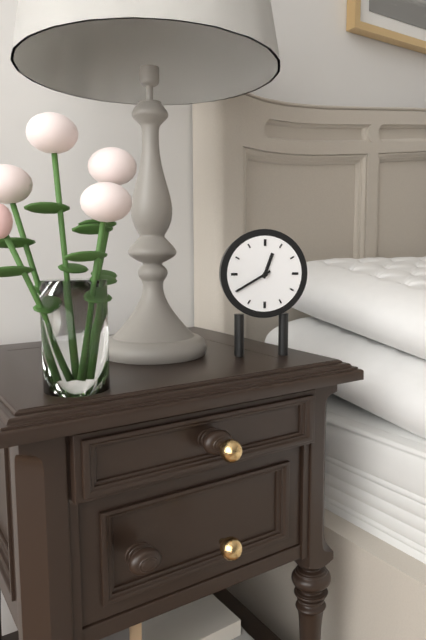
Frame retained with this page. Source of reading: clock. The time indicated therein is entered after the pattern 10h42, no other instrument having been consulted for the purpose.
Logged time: 12h40
